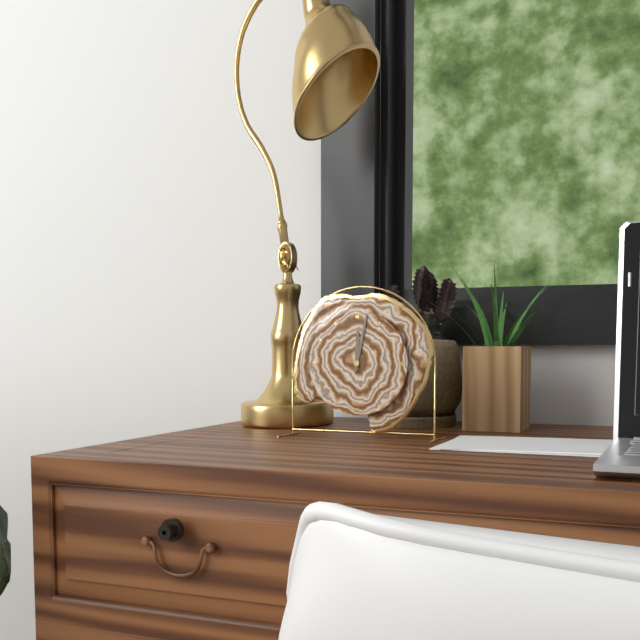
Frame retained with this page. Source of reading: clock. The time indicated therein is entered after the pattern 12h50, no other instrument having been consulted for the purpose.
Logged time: 12h02
